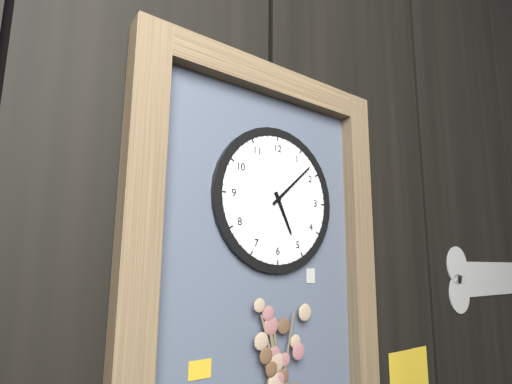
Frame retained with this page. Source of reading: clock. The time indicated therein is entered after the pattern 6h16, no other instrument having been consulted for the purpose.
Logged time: 5h08
